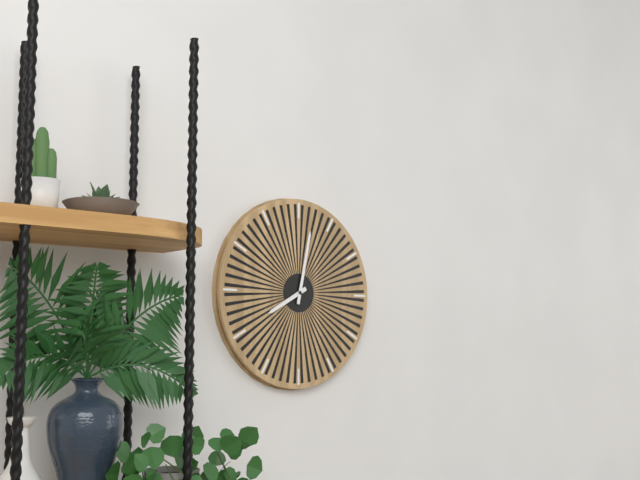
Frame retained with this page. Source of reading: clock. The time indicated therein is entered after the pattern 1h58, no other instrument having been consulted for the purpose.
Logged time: 8h02
